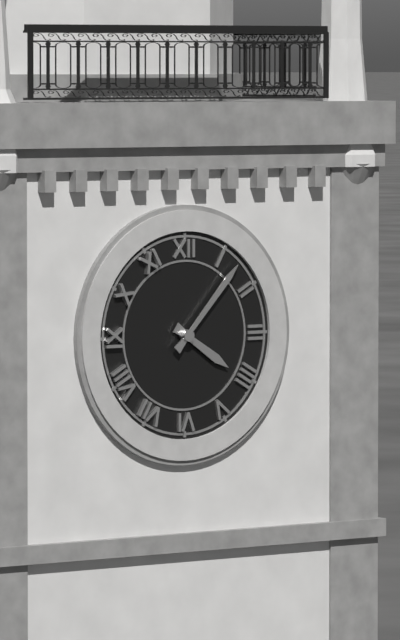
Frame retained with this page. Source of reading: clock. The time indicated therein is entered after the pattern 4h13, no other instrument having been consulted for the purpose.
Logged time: 4h07
